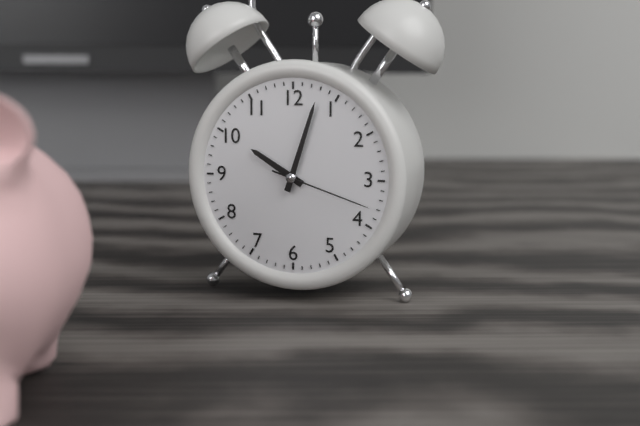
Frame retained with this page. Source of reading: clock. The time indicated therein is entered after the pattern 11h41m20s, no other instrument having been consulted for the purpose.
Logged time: 10h03m18s
